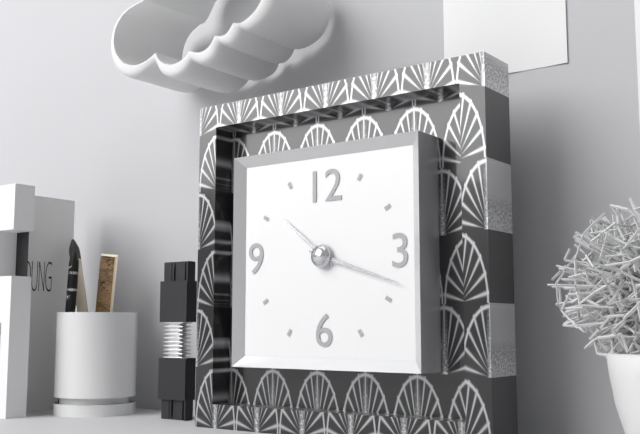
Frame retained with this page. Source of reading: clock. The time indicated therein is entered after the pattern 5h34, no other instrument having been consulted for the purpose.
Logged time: 10h18
